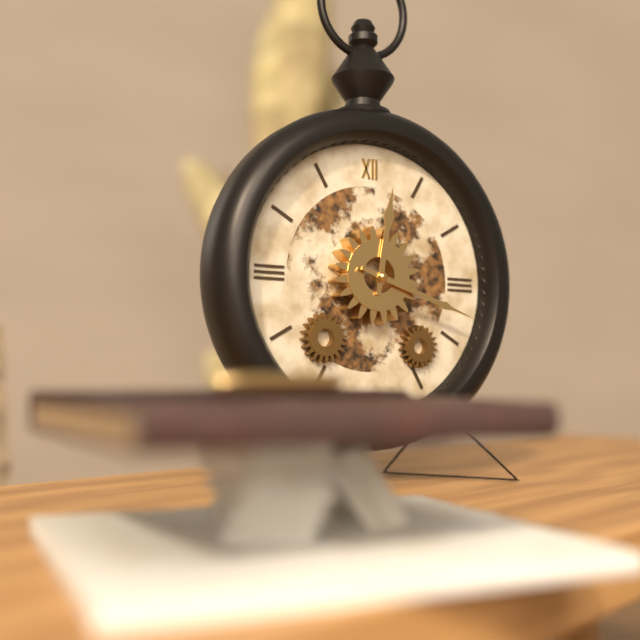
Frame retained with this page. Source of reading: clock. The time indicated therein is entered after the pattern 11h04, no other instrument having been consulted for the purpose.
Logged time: 12h18
